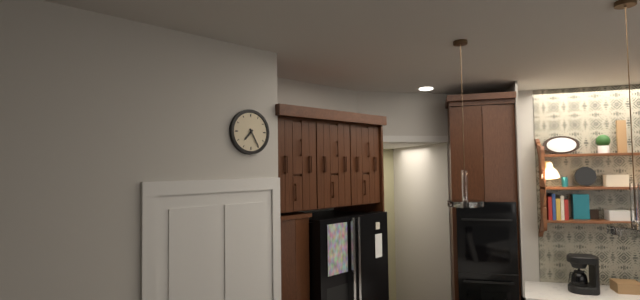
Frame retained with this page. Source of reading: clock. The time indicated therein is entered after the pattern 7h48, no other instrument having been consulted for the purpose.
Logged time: 7h25
